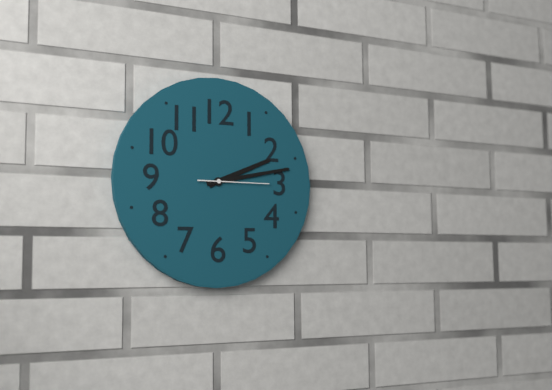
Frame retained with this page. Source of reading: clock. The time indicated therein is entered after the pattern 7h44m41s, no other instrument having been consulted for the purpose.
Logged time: 2h13m15s
